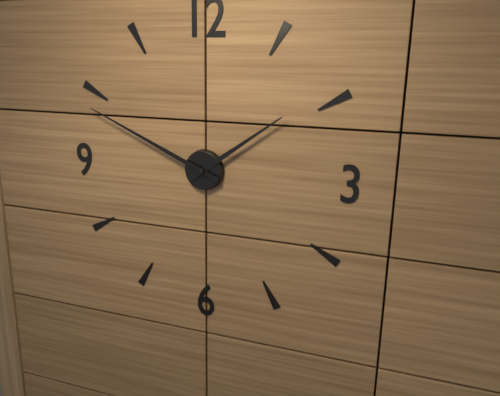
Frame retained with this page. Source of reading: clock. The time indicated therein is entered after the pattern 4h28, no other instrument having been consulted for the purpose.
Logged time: 1h49
